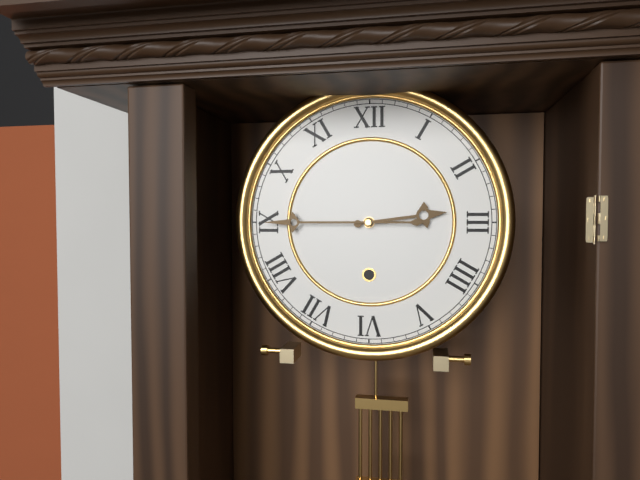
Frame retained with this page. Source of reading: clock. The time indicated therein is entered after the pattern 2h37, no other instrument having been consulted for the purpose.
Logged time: 2h45
